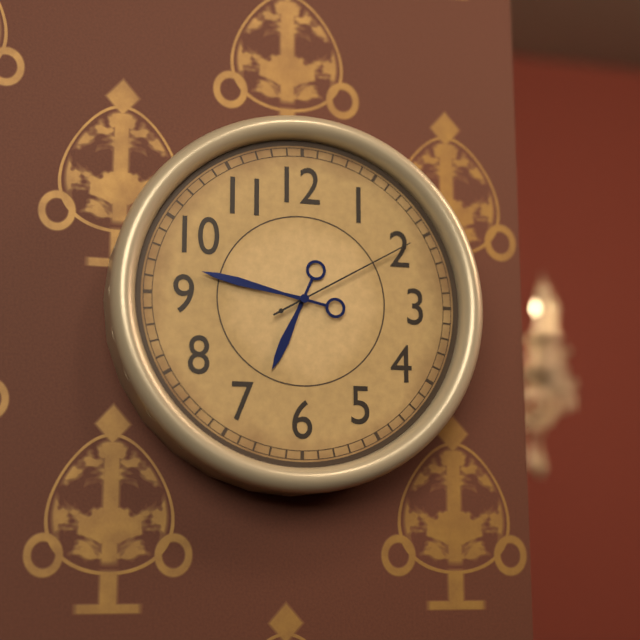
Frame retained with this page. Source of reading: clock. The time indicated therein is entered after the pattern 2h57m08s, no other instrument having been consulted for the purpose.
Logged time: 6h47m10s
